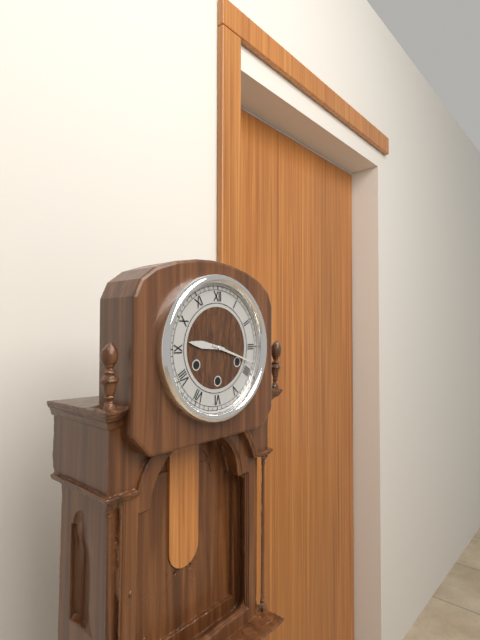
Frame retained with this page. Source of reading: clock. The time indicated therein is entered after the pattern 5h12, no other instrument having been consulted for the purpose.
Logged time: 9h18
